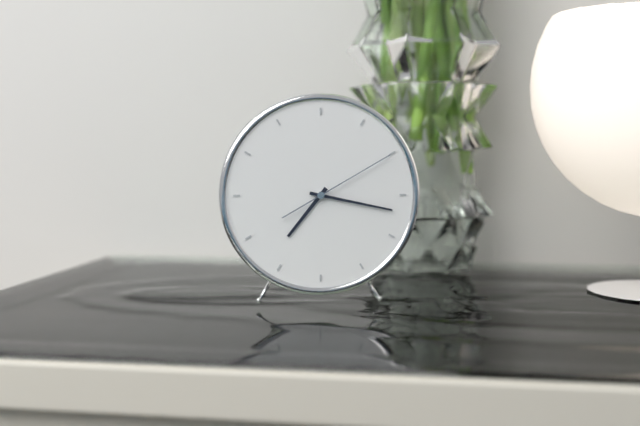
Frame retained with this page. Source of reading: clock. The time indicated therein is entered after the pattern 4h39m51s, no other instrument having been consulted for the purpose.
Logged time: 7h17m10s
